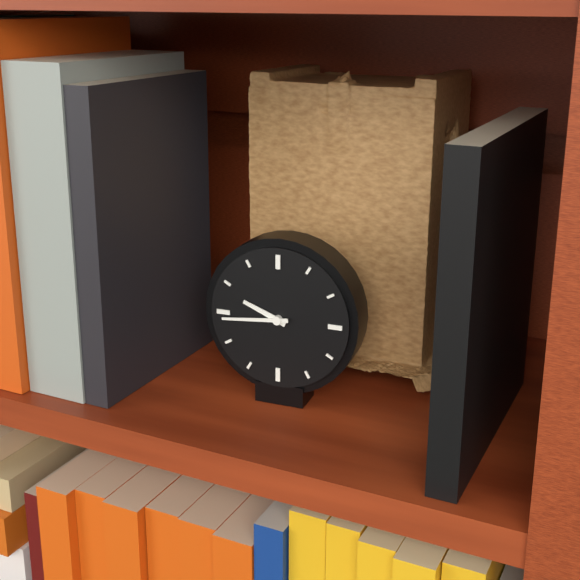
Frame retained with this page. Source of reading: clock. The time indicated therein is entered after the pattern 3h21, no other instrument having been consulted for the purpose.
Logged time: 9h44
